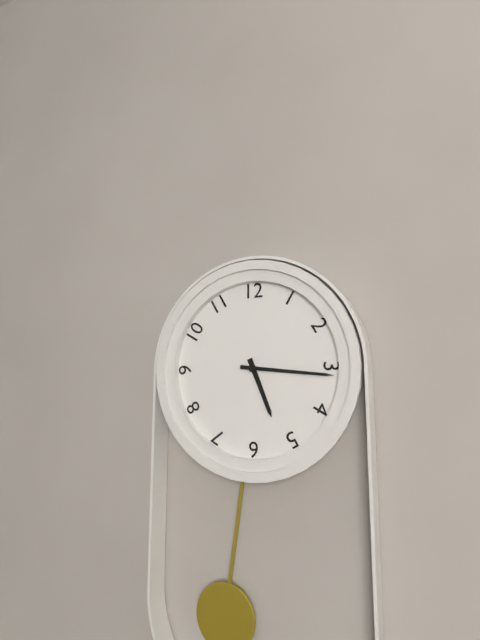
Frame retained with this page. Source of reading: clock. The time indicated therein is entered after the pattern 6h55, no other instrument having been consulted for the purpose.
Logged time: 5h16
